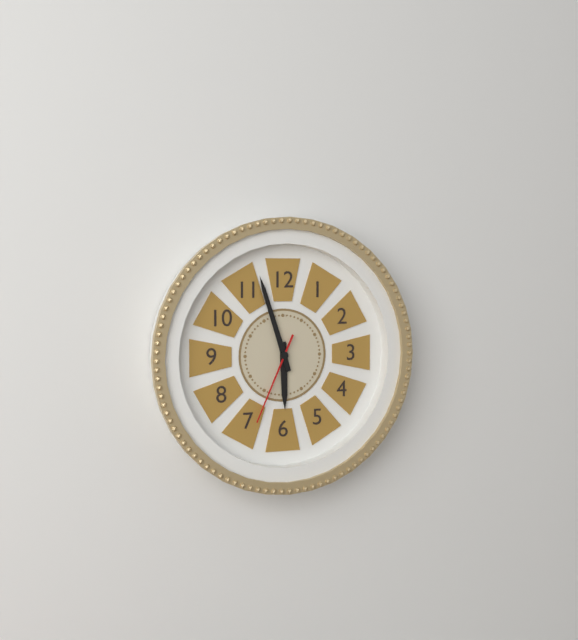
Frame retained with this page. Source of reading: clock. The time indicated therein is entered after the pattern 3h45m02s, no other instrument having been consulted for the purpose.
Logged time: 5h57m34s
